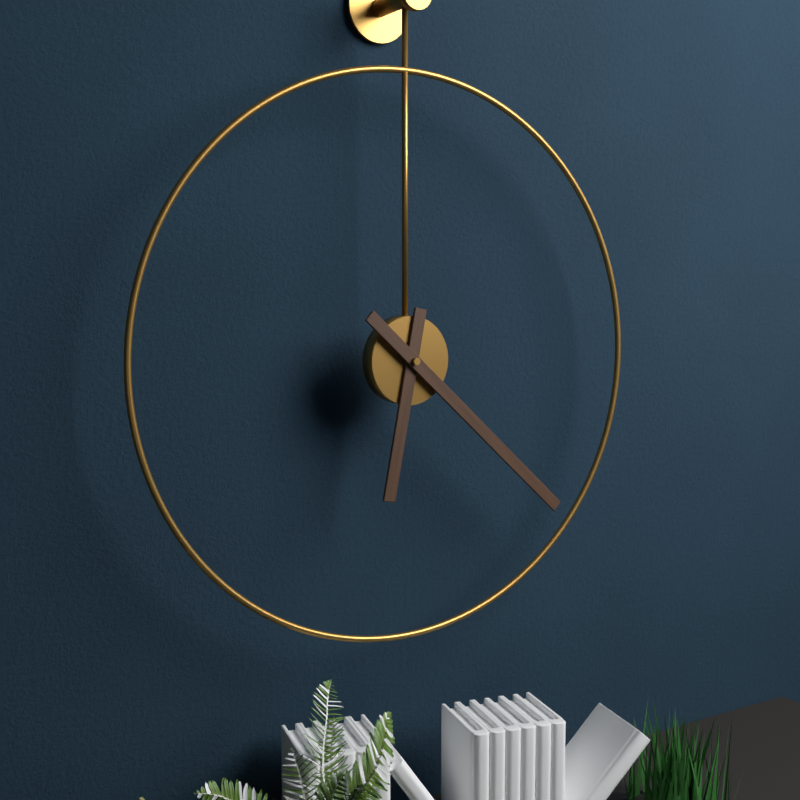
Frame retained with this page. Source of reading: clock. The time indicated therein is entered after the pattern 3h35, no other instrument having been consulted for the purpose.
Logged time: 6h22
